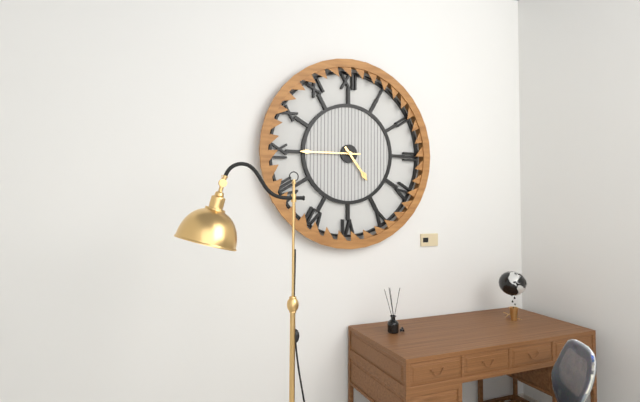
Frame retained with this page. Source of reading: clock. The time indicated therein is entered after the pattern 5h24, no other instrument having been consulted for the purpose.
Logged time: 4h45
